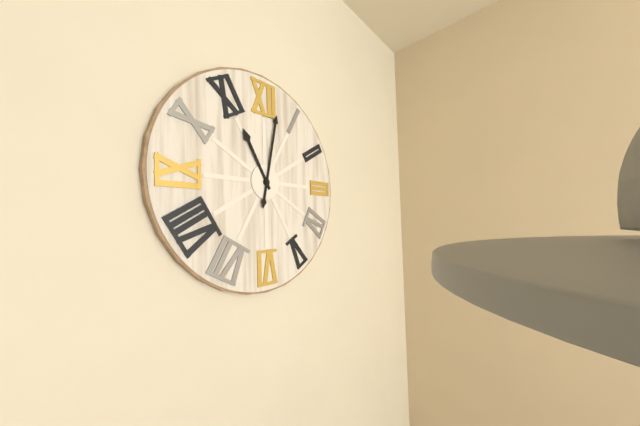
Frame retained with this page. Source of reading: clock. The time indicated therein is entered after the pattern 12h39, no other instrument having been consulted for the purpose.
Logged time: 11h02
